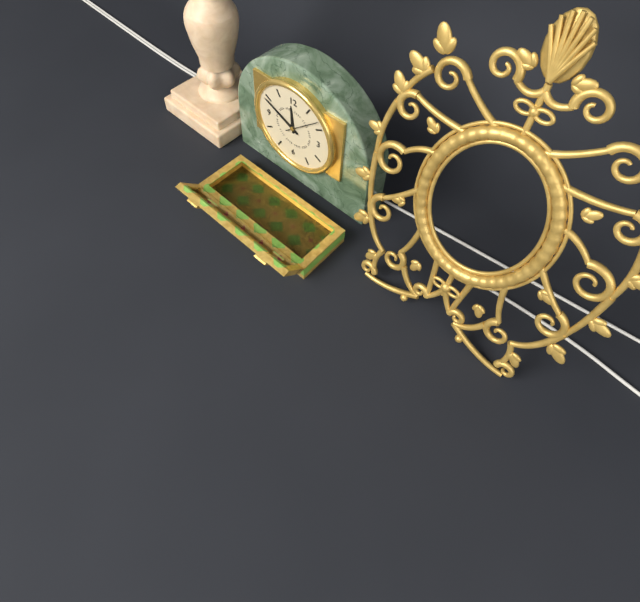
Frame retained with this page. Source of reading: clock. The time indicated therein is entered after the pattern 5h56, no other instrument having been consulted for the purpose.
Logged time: 11h49
